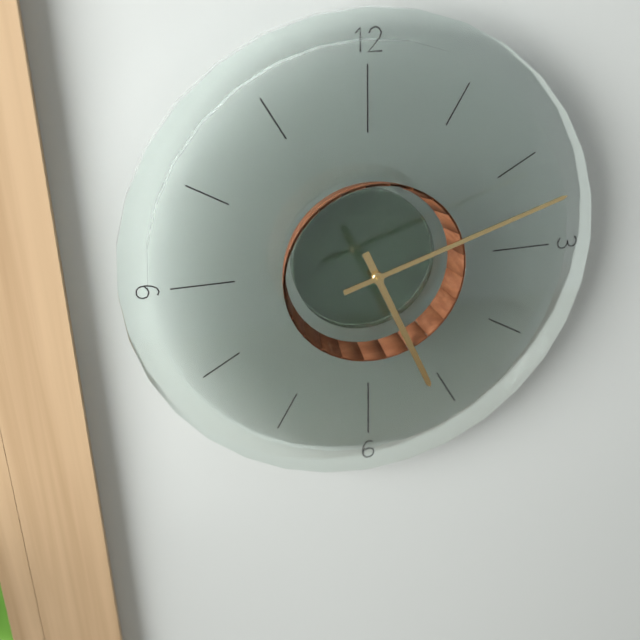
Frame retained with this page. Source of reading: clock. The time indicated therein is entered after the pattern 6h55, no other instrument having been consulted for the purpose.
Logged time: 5h12
